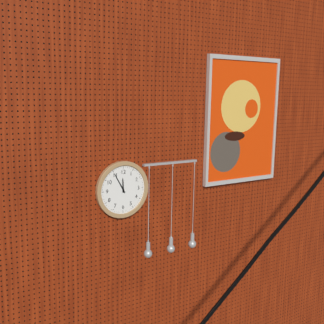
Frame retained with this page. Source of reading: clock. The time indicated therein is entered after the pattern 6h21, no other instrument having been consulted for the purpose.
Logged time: 11h55
